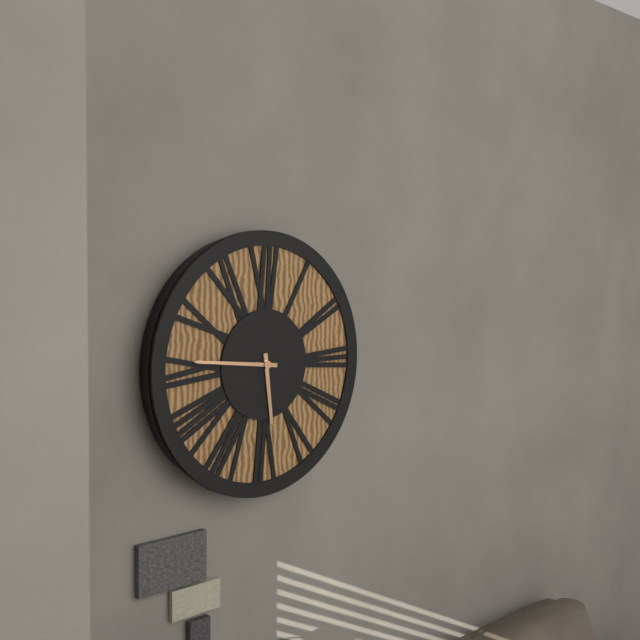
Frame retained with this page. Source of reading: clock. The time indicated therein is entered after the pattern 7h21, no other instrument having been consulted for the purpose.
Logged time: 5h46
